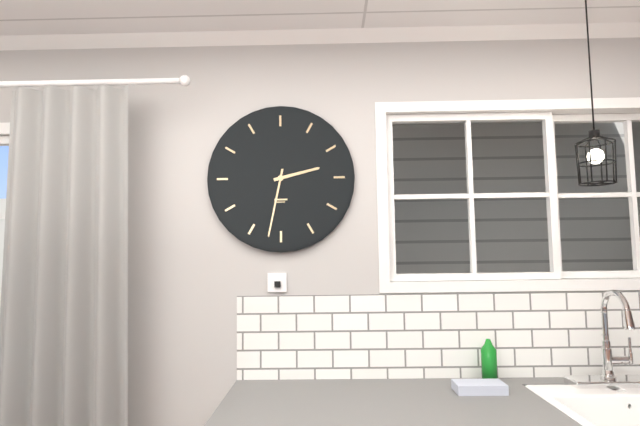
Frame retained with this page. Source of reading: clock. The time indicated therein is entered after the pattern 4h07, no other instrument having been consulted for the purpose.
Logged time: 2h32
